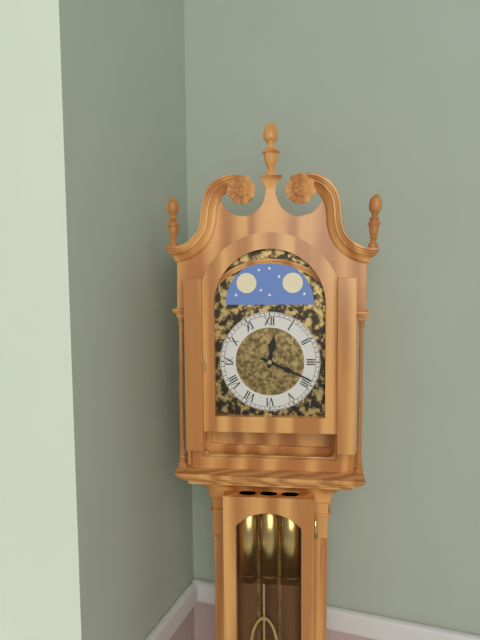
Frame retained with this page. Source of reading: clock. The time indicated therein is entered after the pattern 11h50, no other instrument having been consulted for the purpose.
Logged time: 12h19
